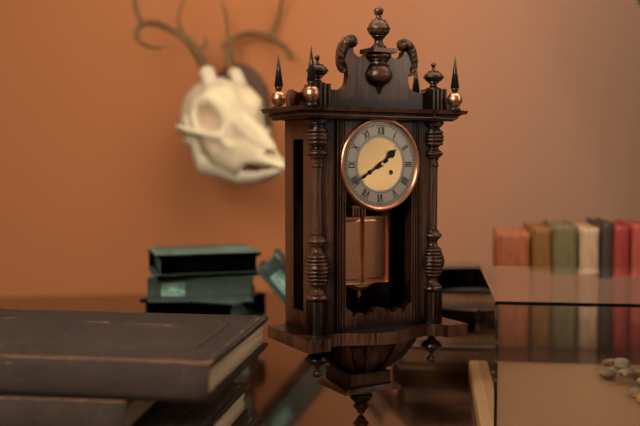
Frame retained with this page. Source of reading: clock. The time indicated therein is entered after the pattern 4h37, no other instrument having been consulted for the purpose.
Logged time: 1h40
